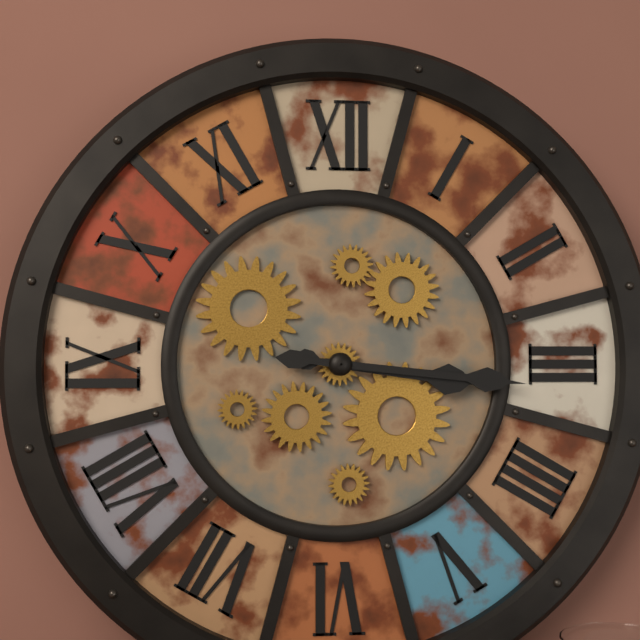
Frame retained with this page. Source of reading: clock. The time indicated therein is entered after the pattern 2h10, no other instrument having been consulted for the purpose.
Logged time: 3h16
